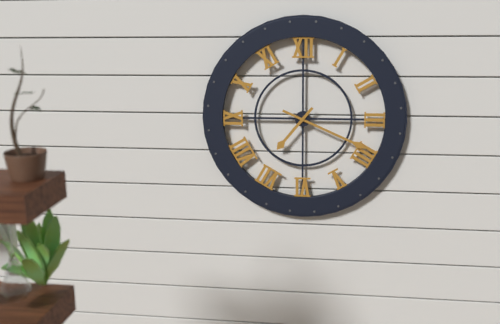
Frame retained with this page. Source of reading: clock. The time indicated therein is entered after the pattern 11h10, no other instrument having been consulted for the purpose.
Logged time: 7h19
